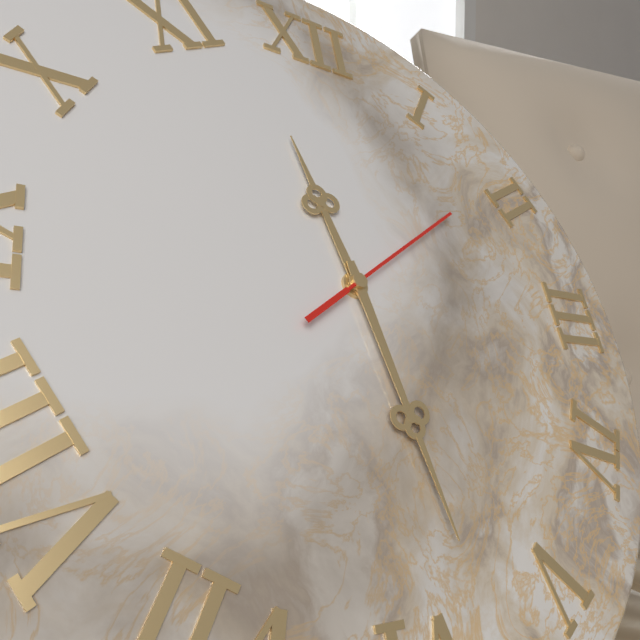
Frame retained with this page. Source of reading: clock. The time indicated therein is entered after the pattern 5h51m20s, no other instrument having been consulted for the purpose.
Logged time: 11h28m09s
